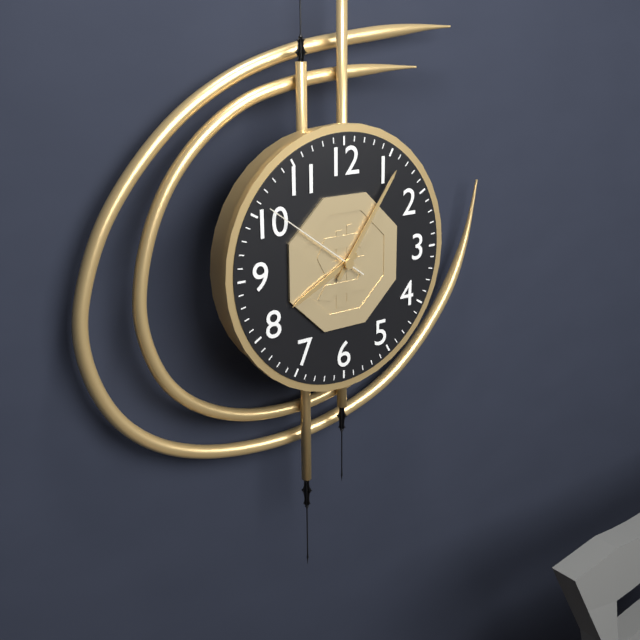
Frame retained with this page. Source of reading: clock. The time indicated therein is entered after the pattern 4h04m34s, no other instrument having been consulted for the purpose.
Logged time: 8h06m51s
